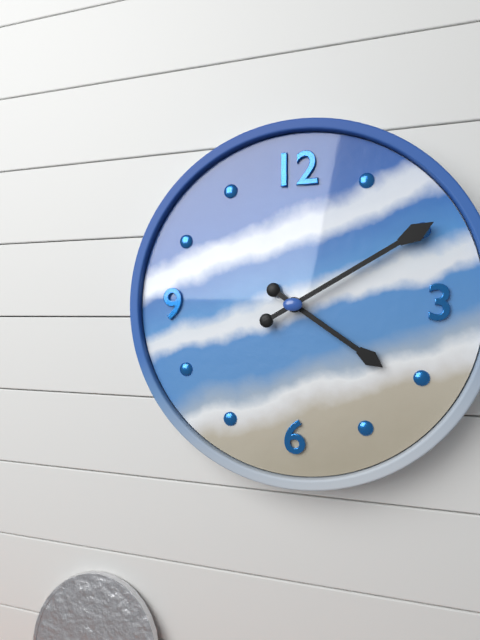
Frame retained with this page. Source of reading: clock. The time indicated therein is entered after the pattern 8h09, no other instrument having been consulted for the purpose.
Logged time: 4h10
